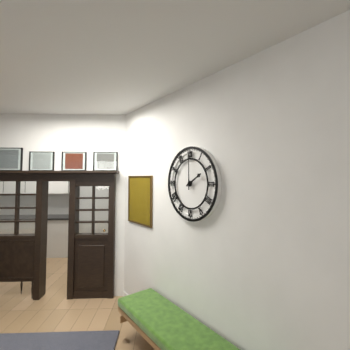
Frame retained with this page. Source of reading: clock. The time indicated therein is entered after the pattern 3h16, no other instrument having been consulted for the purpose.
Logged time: 2h00
